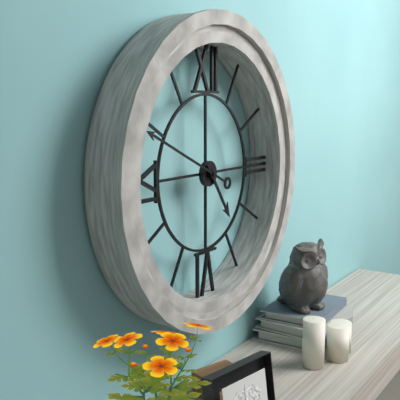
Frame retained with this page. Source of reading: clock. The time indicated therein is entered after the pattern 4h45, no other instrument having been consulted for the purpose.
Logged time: 4h49
